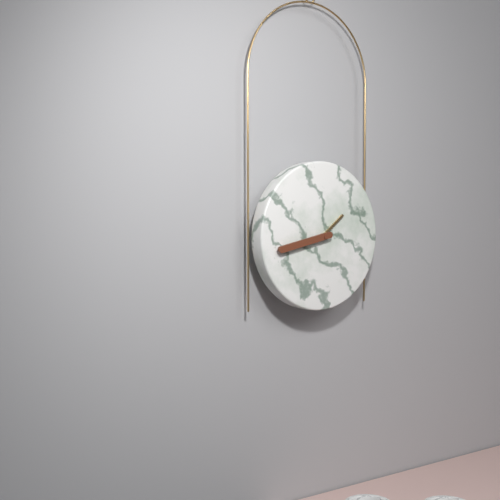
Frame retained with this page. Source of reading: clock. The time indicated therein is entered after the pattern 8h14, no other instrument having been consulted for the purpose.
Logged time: 1h43
